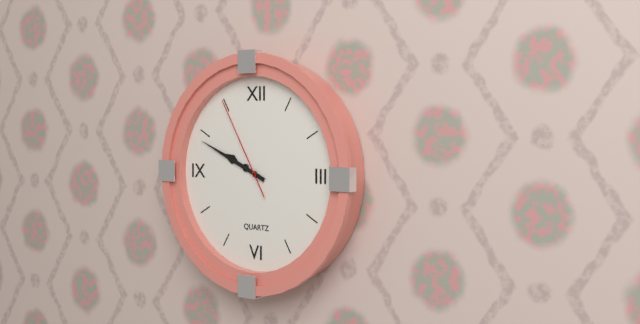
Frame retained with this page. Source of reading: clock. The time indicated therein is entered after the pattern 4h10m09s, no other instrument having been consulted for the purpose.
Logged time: 9h49m55s
